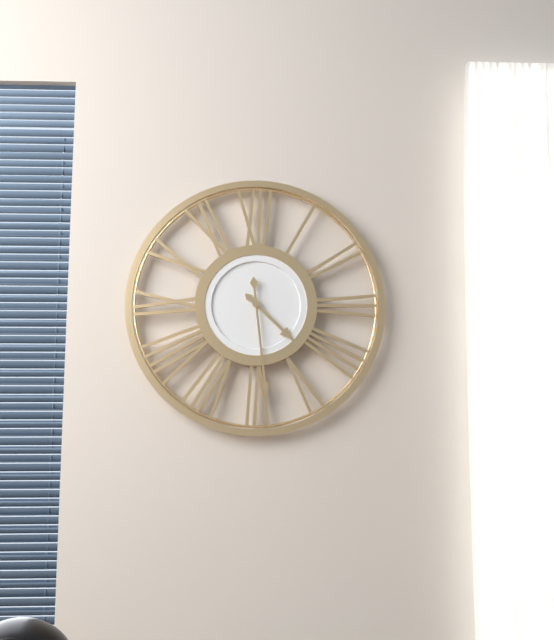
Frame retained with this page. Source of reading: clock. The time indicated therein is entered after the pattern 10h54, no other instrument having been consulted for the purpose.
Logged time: 4h29
